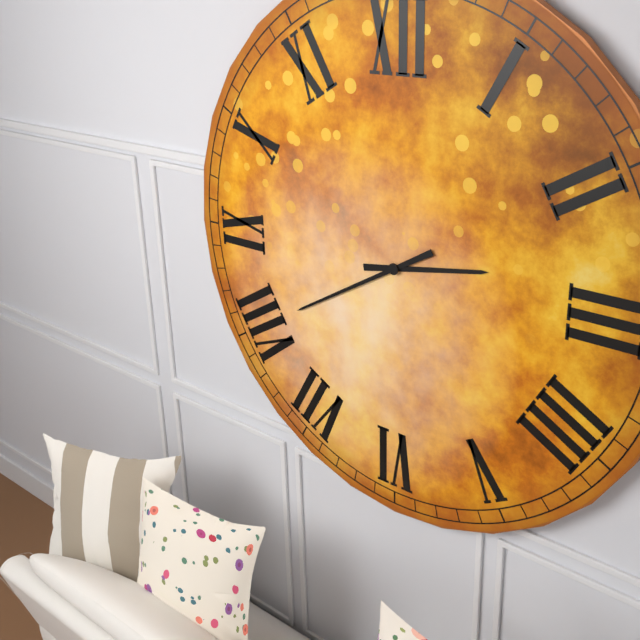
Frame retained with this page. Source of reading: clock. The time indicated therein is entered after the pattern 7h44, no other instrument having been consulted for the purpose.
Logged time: 2h40
